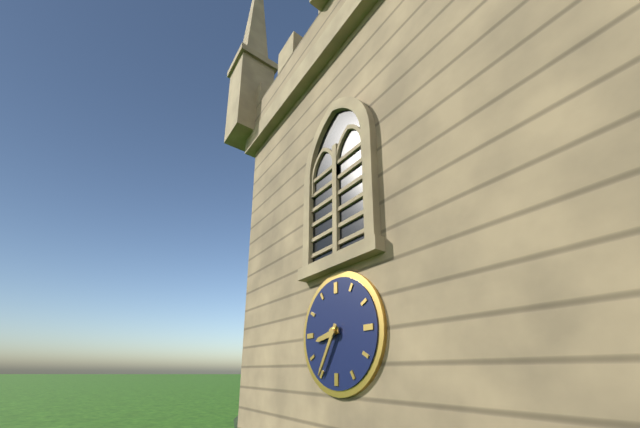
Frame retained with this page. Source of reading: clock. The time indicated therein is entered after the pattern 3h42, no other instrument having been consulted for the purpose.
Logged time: 8h35
